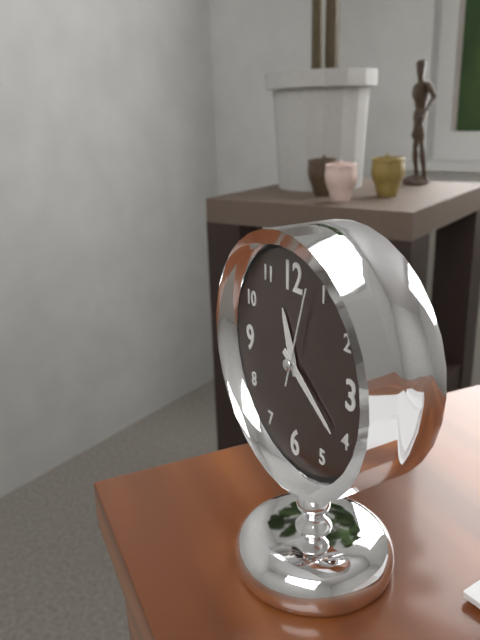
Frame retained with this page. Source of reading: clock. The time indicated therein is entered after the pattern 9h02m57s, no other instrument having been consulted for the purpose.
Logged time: 11h21m03s
